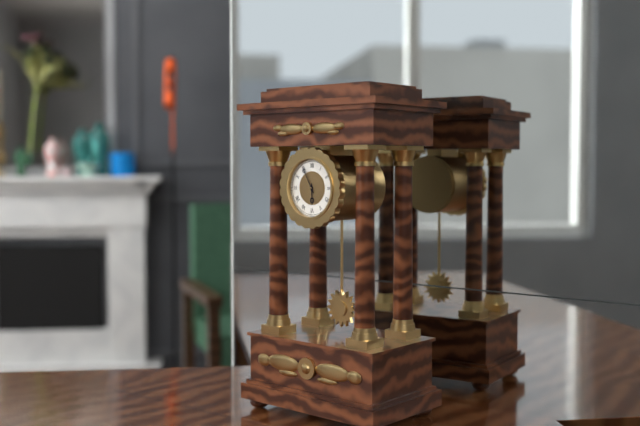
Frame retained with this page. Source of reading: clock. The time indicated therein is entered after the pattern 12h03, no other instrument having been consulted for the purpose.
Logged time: 5h55
